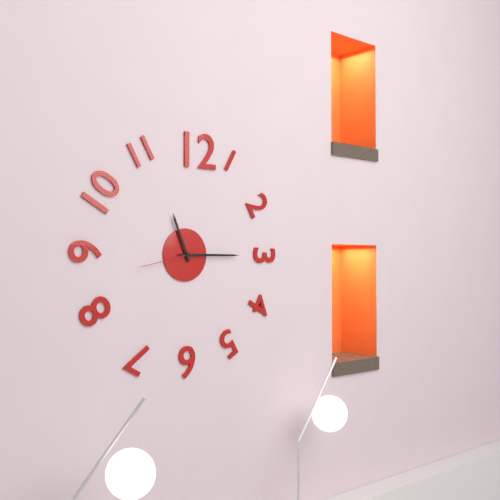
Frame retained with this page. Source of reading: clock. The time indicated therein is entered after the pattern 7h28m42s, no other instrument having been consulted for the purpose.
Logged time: 11h15m43s
